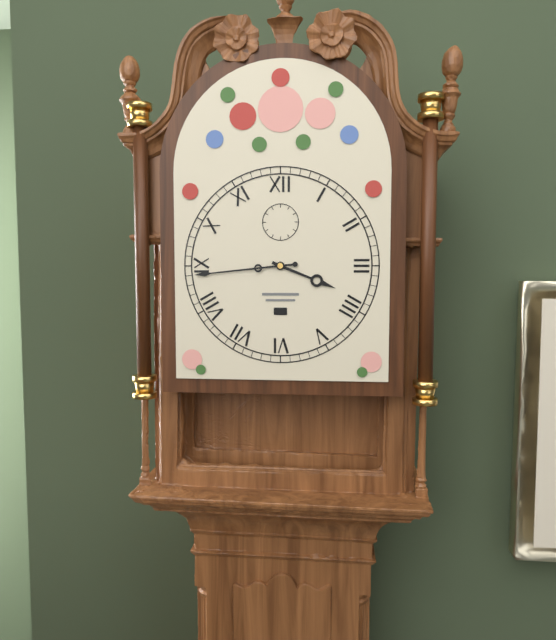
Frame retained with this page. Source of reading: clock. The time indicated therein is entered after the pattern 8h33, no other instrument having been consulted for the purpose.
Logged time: 3h44
